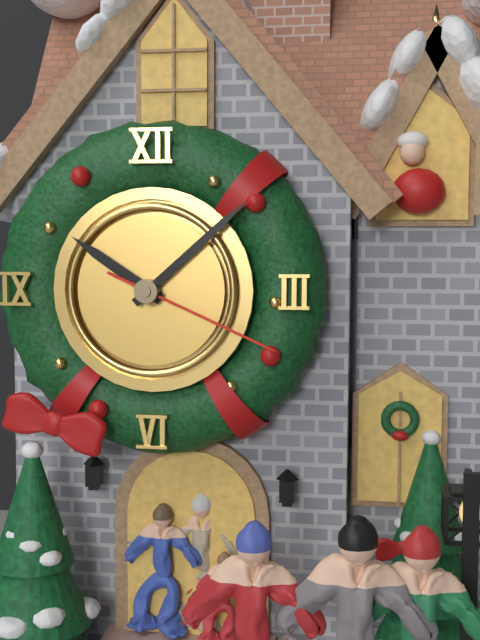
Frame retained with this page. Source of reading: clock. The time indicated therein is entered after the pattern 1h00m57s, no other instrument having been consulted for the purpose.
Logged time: 10h08m19s
